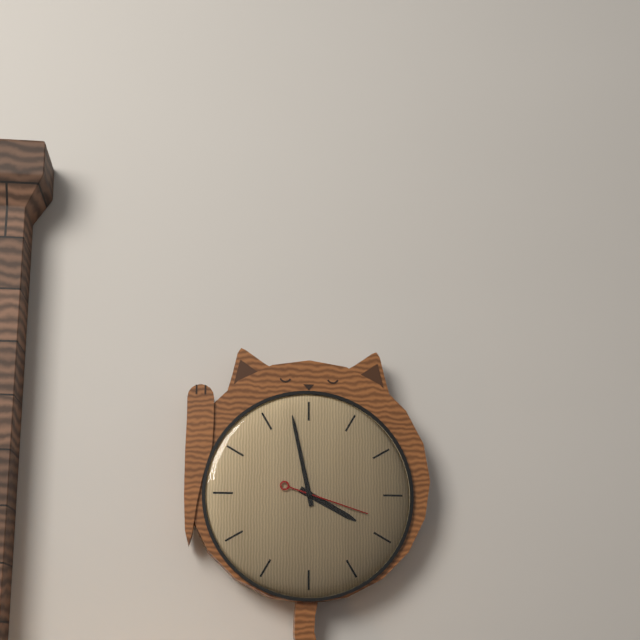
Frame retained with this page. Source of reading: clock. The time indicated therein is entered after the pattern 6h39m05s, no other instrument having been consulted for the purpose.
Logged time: 3h58m18s
